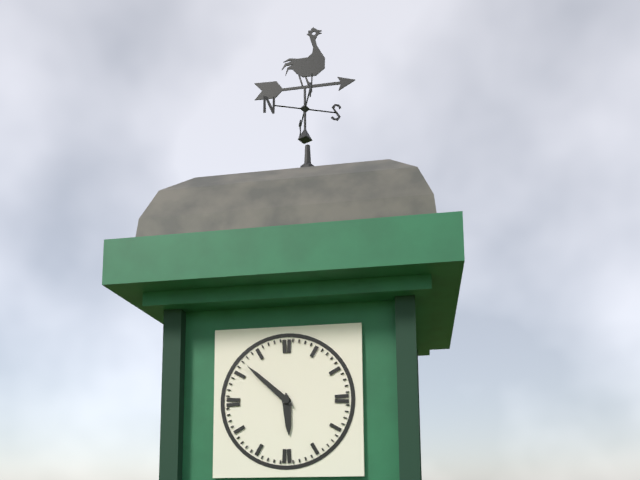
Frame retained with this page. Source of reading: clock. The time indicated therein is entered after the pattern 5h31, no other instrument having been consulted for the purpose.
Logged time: 5h52
